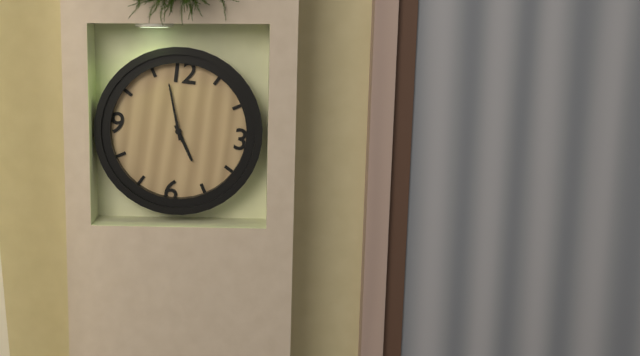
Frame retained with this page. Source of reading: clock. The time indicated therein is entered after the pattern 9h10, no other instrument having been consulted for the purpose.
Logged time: 4h57
